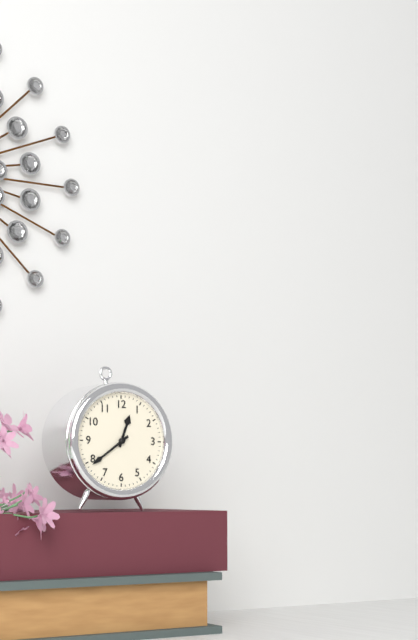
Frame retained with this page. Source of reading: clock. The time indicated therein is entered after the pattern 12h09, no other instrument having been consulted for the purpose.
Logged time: 12h39
